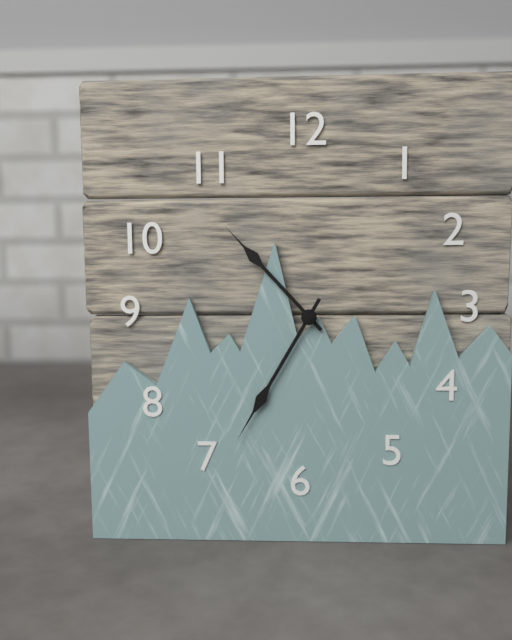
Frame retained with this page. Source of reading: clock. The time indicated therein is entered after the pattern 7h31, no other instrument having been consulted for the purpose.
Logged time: 10h35
